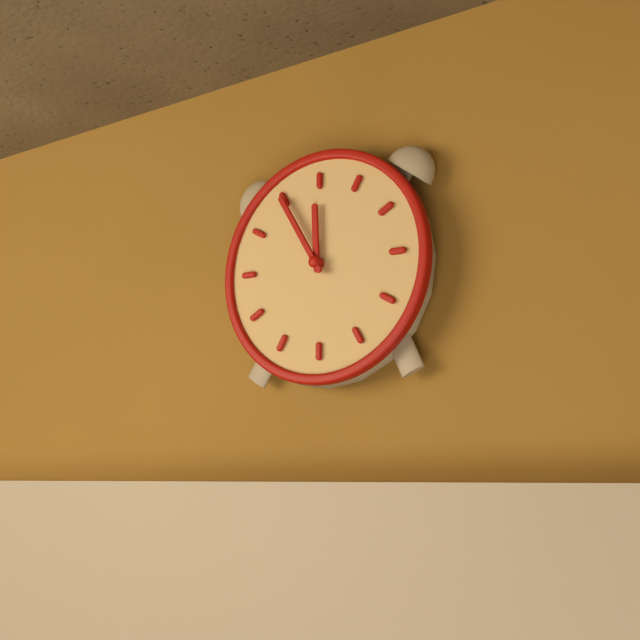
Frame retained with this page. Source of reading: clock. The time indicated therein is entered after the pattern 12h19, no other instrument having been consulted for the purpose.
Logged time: 11h55
